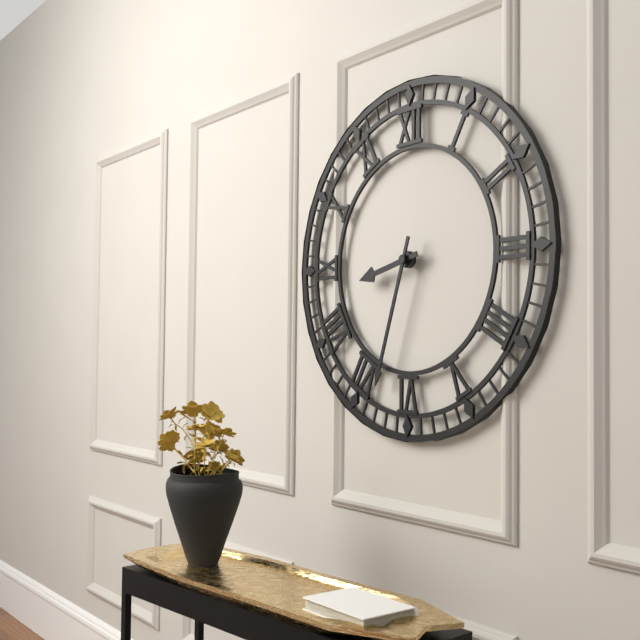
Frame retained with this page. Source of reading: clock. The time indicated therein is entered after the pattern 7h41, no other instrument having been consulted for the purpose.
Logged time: 8h33
